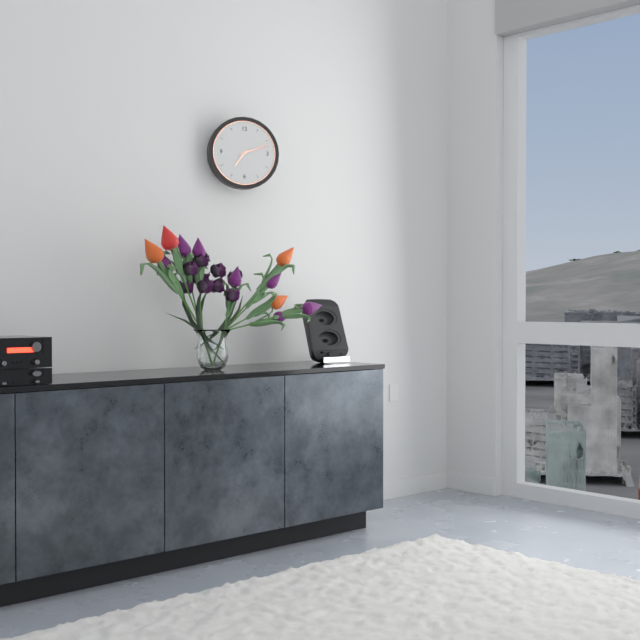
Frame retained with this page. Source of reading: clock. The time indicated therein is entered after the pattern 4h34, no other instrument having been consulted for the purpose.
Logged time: 7h12
